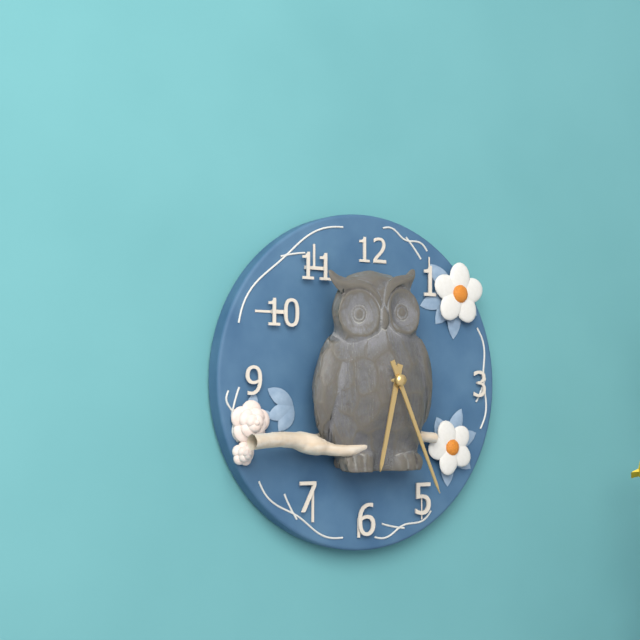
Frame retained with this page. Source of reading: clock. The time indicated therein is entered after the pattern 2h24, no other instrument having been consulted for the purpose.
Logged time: 6h26
